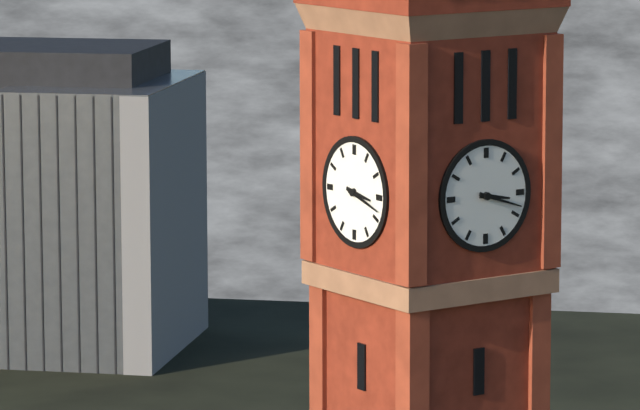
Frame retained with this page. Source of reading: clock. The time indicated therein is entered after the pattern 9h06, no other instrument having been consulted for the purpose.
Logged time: 3h18
